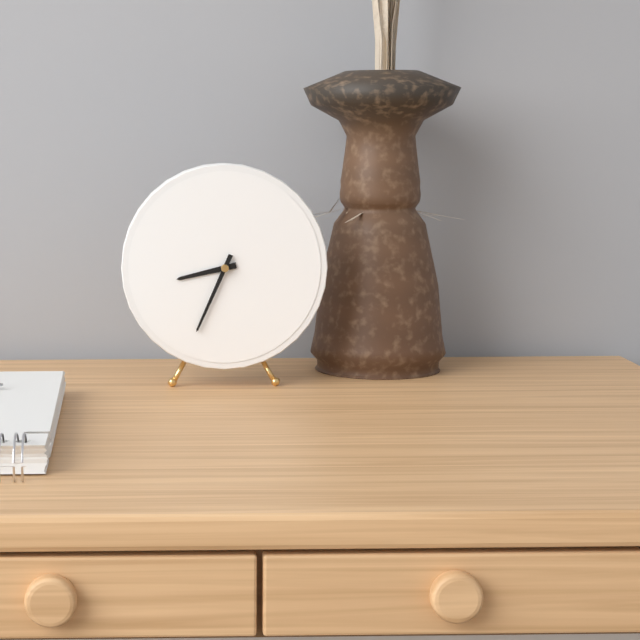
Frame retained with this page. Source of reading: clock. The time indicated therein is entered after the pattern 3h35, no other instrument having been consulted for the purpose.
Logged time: 8h34
